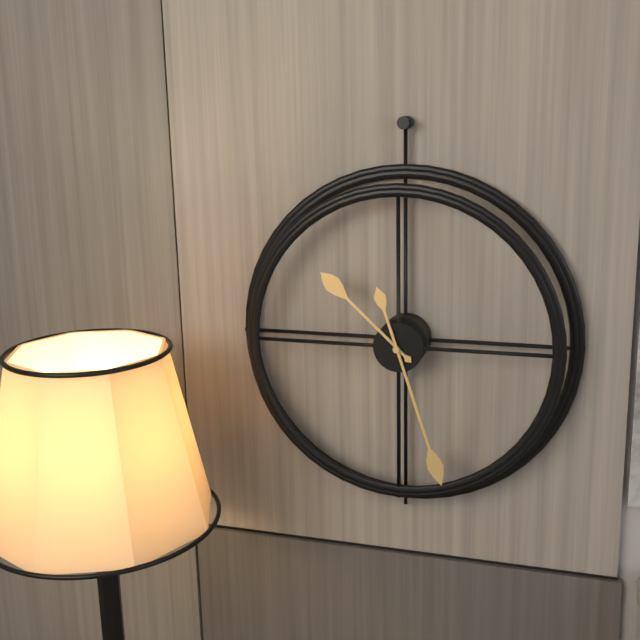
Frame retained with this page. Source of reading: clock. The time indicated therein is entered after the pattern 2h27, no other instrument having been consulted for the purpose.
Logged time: 10h27
